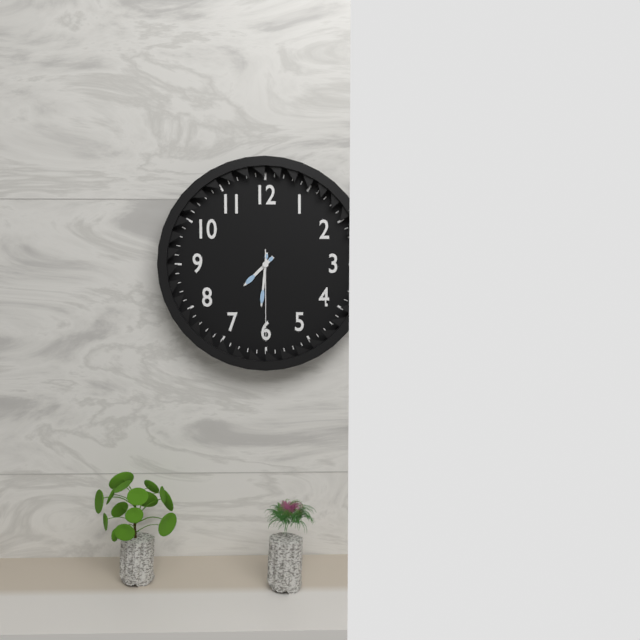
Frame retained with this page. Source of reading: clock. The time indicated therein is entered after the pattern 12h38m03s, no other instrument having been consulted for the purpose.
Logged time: 7h31m30s
